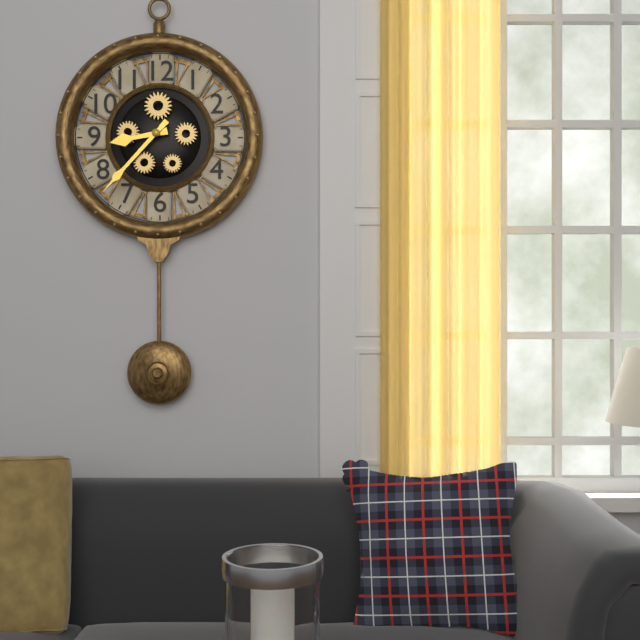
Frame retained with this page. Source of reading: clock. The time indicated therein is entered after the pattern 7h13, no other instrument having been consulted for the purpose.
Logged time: 8h37
